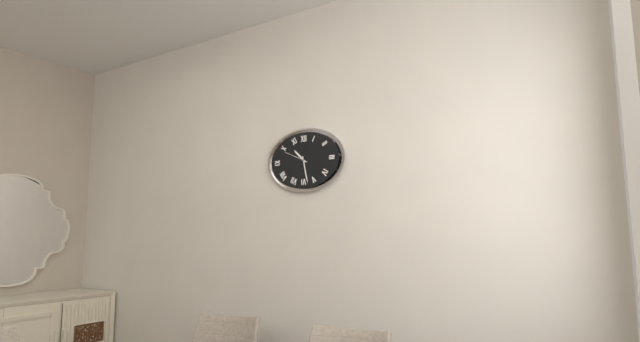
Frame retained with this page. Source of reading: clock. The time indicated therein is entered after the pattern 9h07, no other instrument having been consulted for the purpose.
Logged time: 10h28
